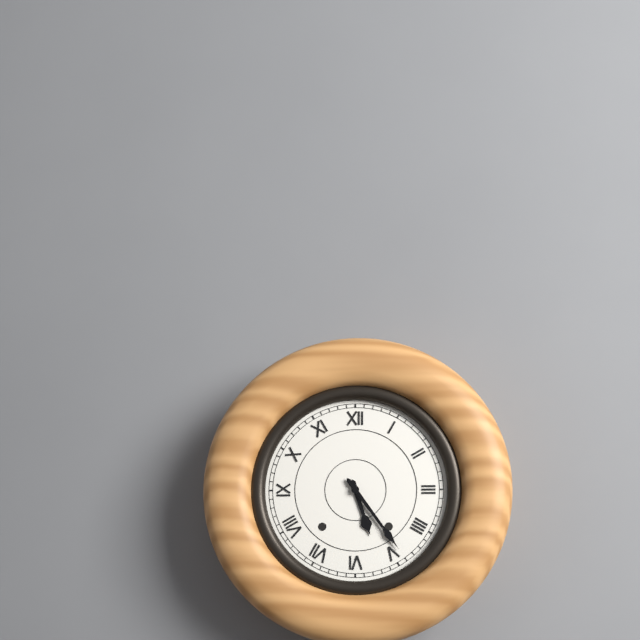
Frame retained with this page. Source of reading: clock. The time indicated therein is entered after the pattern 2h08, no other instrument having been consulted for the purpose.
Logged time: 5h24
